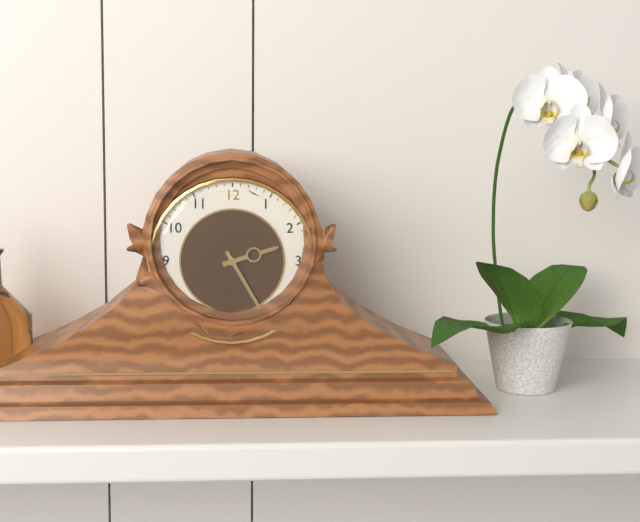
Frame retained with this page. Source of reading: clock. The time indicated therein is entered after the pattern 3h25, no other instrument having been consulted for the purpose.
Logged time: 2h25
